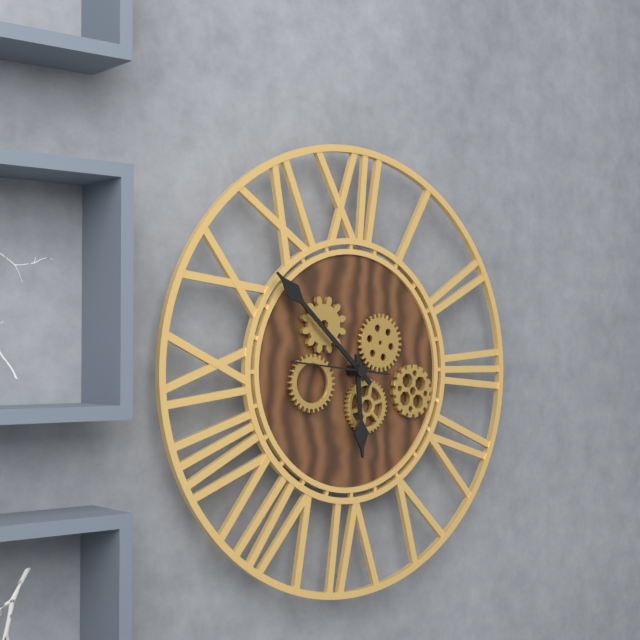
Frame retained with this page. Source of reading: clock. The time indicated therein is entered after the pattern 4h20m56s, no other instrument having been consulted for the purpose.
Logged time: 5h52m46s
